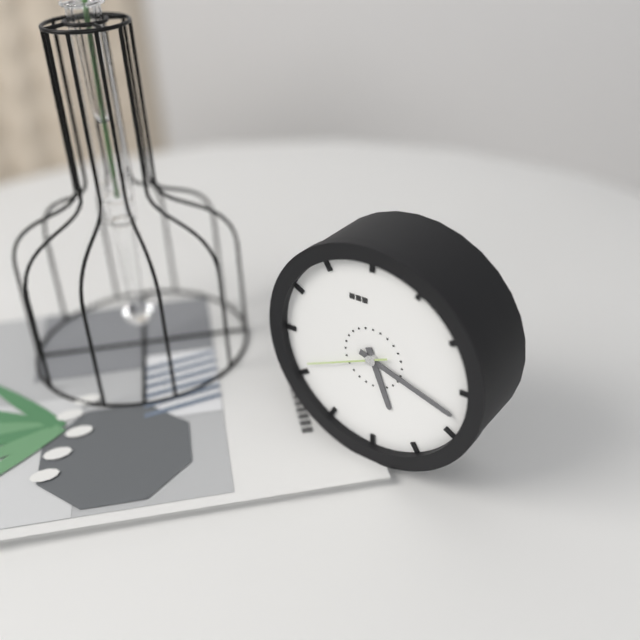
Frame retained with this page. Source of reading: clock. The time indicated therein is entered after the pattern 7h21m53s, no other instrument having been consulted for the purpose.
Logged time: 5h18m41s
